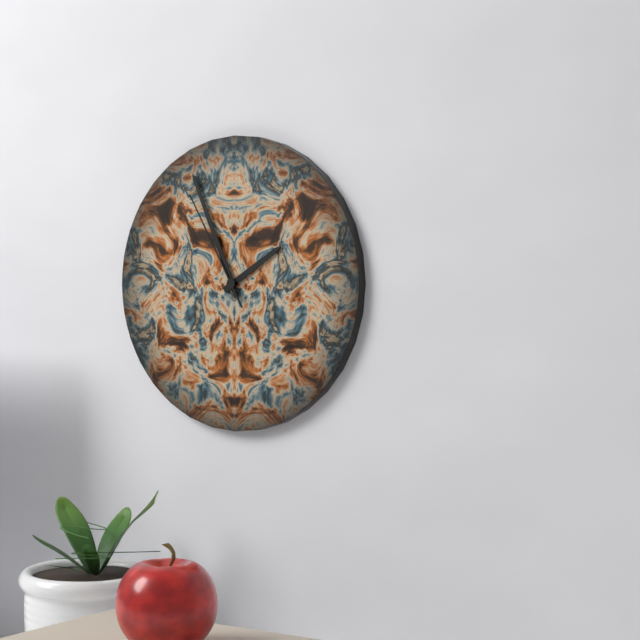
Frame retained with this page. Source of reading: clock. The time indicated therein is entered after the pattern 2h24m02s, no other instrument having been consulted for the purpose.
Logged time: 1h56m55s
